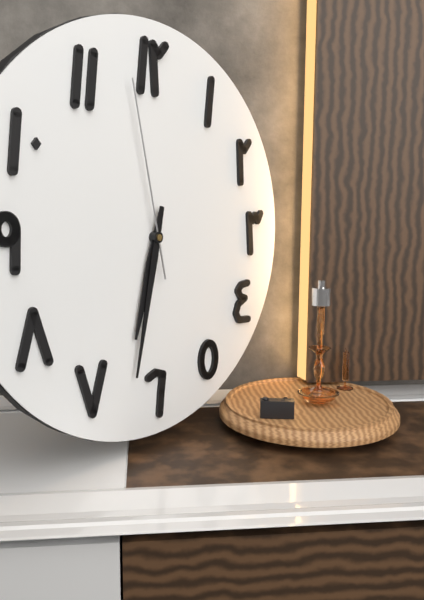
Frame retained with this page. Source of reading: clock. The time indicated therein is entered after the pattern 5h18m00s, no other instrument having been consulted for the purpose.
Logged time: 6h32m58s
